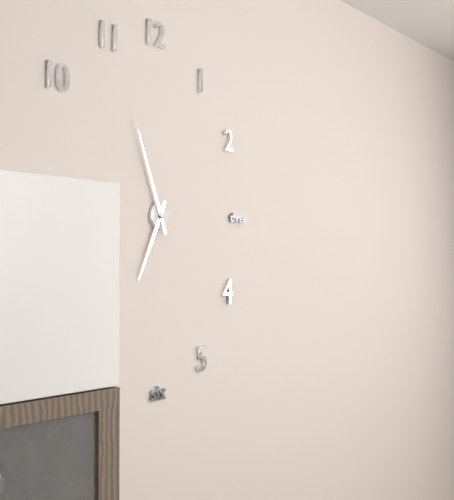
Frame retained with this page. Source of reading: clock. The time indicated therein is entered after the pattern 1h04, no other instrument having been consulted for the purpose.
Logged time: 6h56
